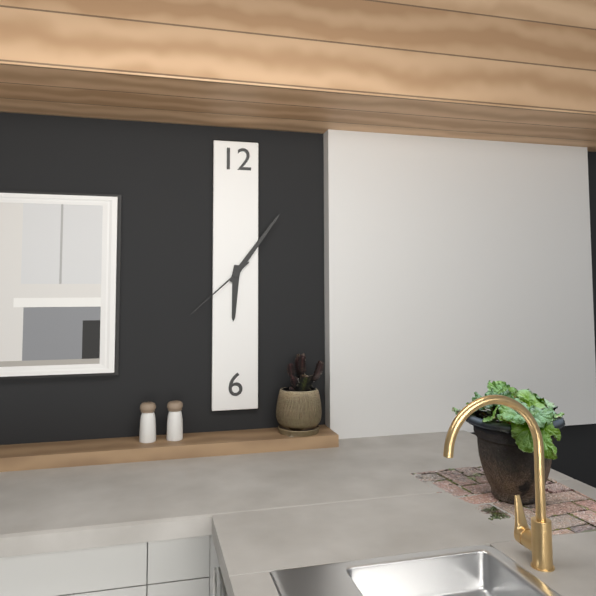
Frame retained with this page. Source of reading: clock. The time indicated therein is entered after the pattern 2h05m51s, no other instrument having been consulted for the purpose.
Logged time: 6h06m38s
